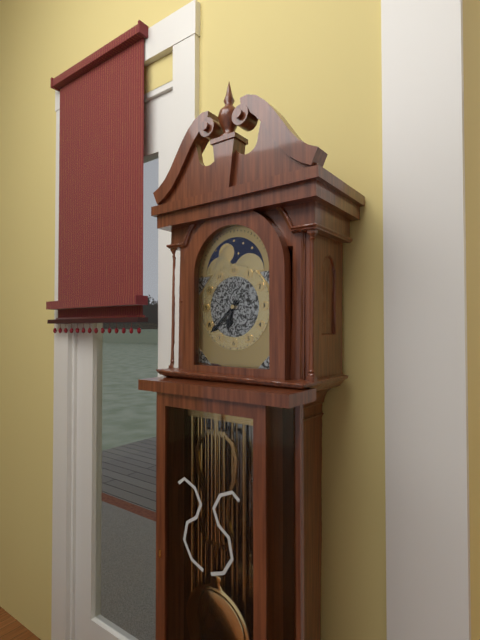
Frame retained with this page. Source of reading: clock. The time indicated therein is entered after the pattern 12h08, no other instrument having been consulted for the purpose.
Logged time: 6h38
